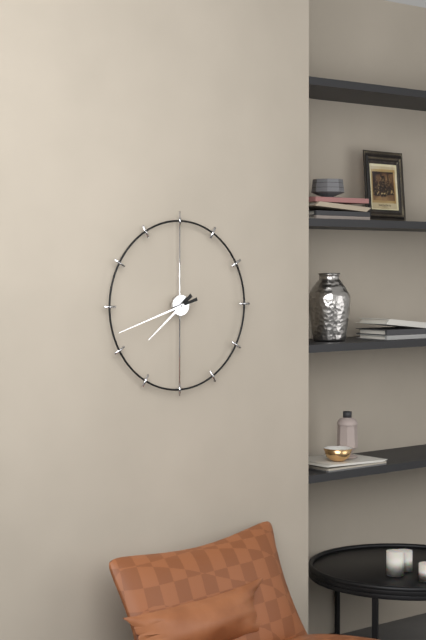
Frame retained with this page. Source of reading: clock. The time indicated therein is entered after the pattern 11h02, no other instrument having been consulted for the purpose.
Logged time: 7h42
